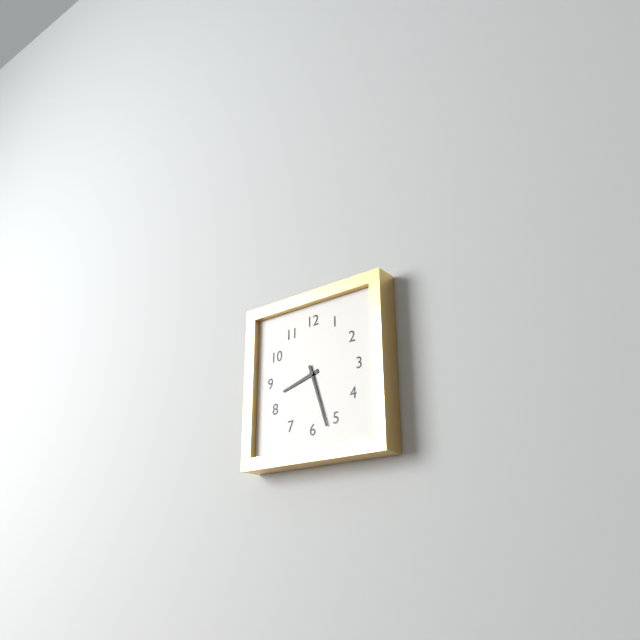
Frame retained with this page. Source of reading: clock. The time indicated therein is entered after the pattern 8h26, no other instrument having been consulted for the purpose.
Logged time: 8h27
